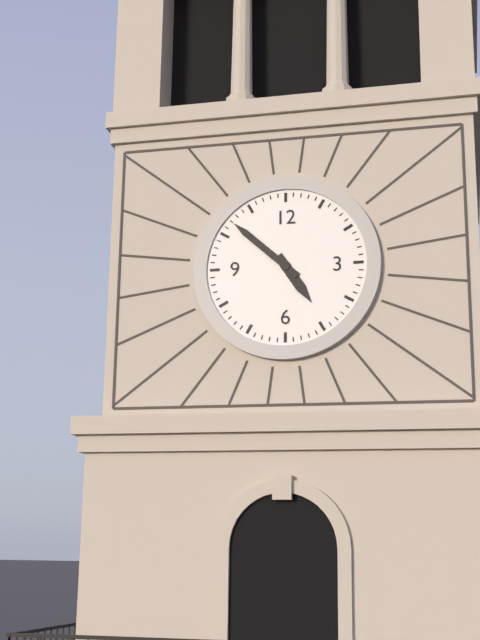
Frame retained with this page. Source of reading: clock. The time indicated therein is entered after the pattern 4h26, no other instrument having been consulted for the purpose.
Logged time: 4h52
